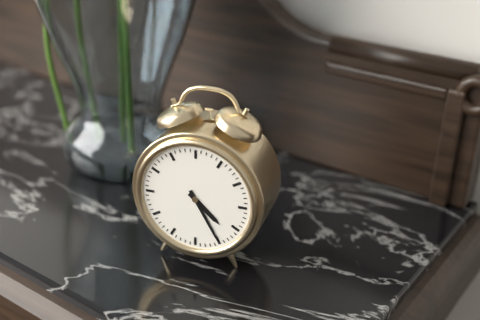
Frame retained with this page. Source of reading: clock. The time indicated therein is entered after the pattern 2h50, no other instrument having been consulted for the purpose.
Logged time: 4h25
